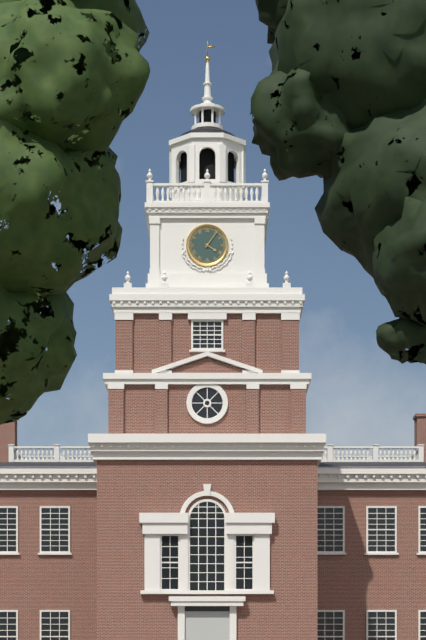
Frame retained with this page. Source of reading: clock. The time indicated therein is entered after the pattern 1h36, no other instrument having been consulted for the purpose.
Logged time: 4h06
